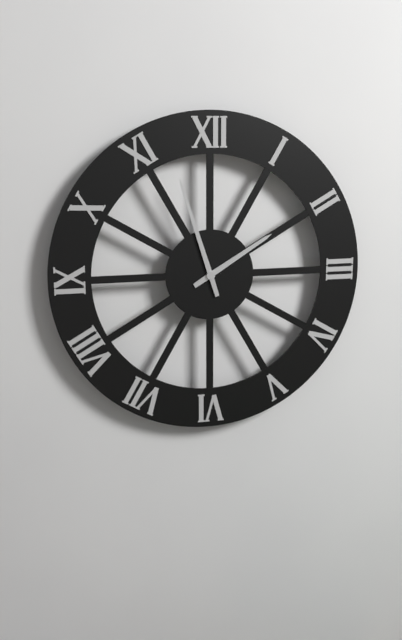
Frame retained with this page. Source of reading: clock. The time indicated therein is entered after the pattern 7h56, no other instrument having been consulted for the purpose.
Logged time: 1h57
